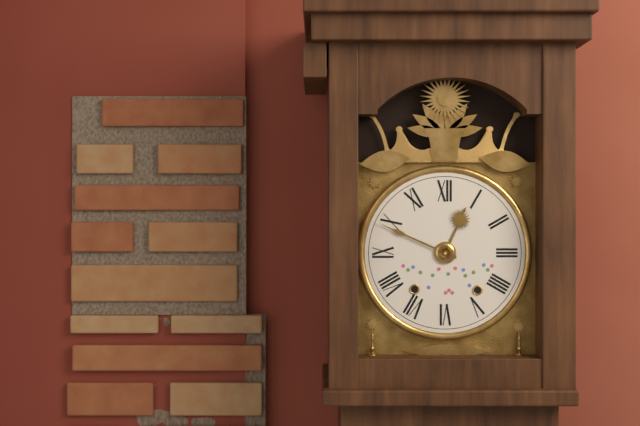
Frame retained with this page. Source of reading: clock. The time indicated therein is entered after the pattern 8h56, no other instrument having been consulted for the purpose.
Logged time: 12h49
